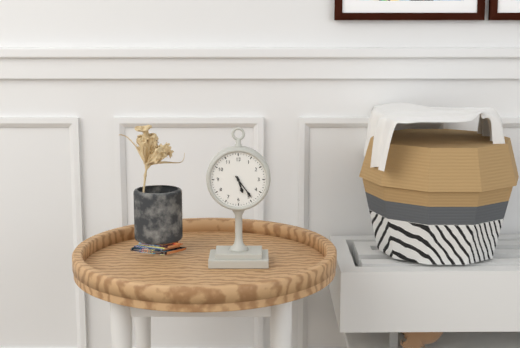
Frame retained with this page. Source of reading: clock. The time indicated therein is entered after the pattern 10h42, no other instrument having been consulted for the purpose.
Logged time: 5h24
